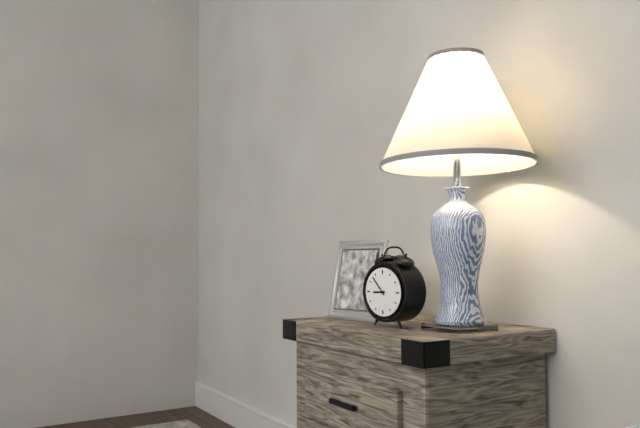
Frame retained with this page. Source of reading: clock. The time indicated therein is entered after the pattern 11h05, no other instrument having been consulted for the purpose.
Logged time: 8h53
